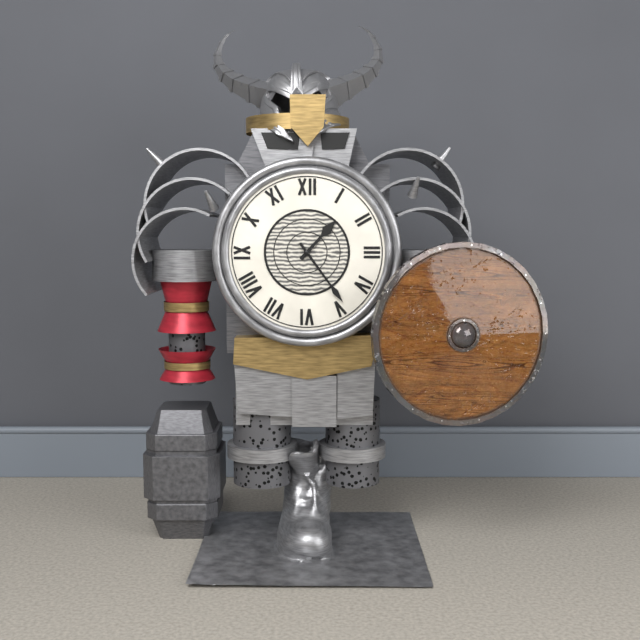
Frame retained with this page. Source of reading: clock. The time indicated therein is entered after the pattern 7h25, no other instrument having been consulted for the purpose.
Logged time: 1h24
